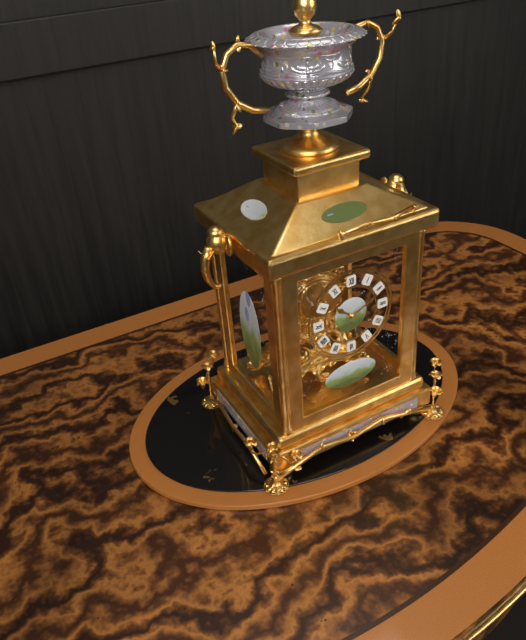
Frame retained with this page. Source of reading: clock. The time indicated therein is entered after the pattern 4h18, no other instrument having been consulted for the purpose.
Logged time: 10h11
